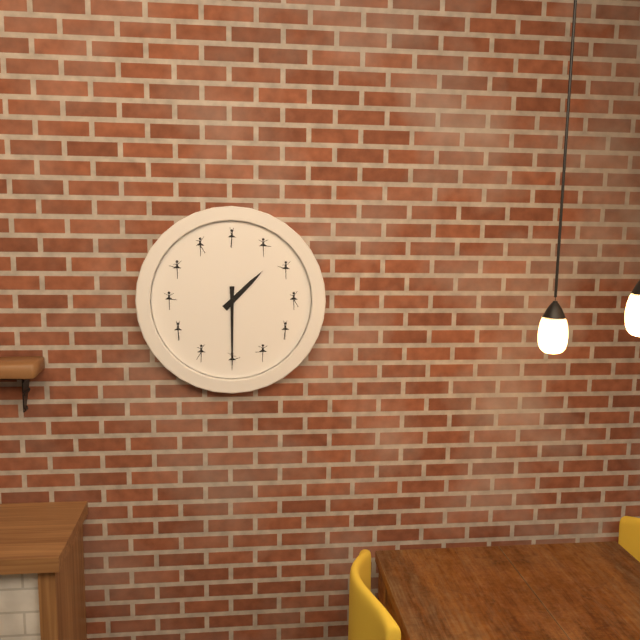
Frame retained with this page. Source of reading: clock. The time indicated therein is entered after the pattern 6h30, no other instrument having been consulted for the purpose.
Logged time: 1h30
